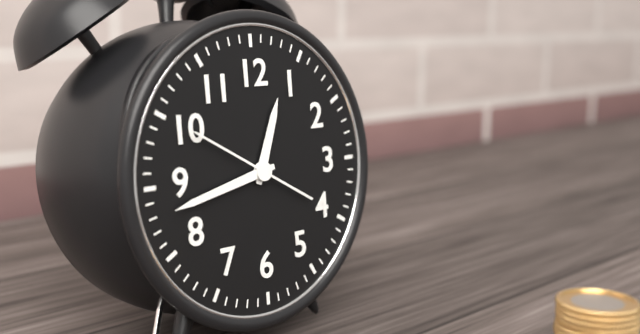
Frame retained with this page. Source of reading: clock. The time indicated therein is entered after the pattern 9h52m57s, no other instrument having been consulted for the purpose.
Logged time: 12h43m50s
